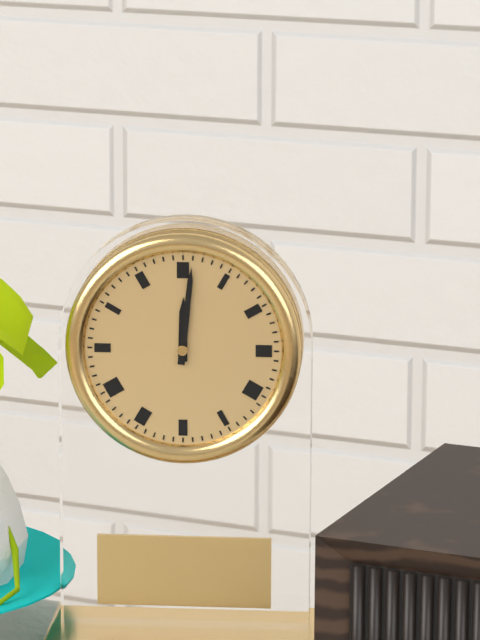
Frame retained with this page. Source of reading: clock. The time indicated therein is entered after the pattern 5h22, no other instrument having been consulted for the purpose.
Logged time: 12h01
